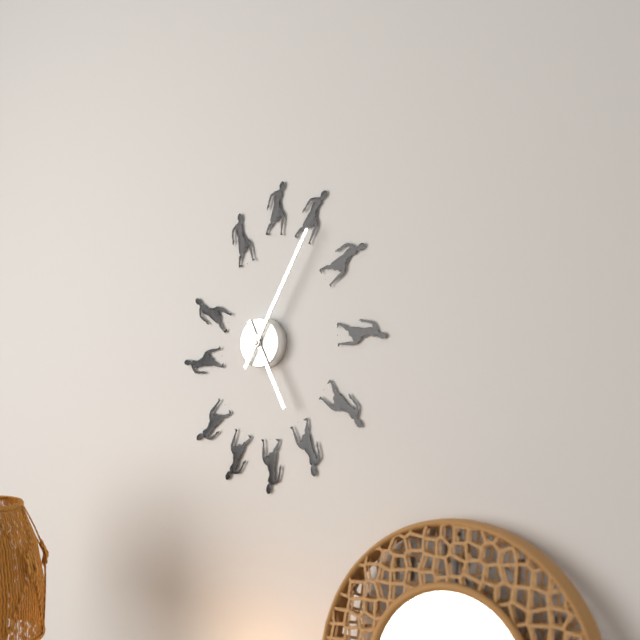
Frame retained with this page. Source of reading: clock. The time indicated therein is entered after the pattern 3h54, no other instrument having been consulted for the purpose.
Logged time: 5h05
